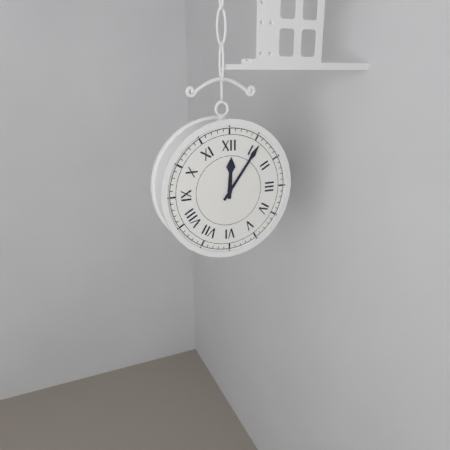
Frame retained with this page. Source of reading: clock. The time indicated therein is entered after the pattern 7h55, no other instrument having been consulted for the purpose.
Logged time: 12h06
